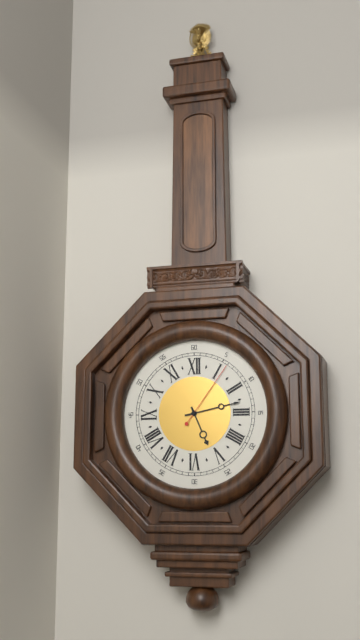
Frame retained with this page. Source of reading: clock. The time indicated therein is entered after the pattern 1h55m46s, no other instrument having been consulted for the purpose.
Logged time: 5h13m06s
